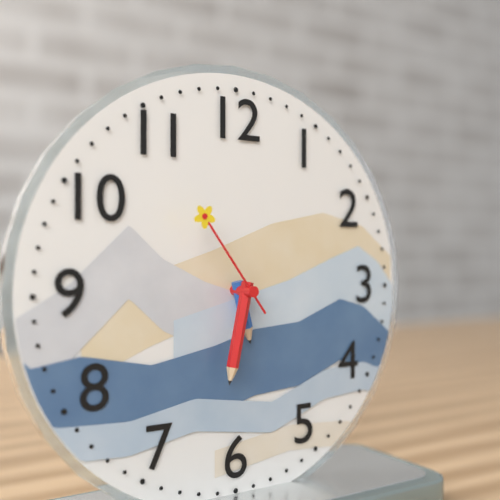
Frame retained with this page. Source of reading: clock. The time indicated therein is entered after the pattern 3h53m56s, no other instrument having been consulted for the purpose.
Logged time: 5h32m54s
